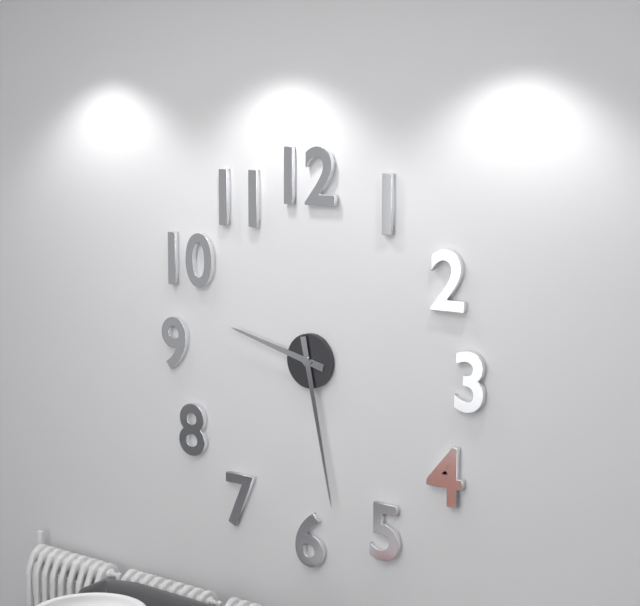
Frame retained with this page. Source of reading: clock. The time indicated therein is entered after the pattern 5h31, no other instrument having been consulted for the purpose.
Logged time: 9h28
